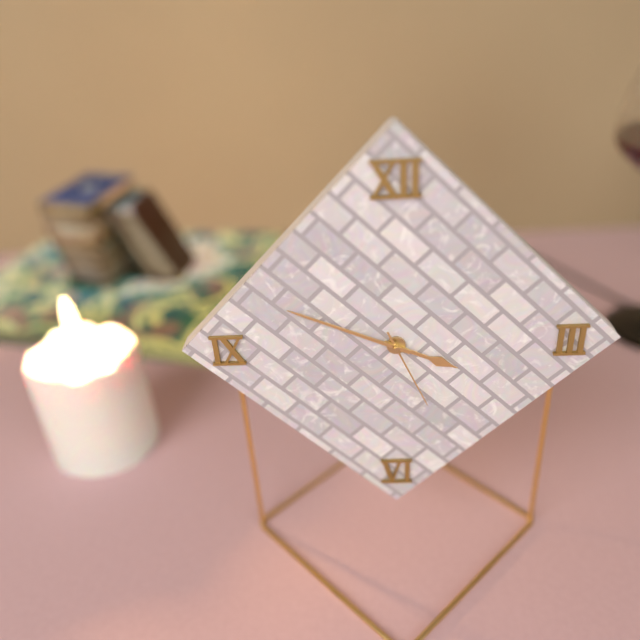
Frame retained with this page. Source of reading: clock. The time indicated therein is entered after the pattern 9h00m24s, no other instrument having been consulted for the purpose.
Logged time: 3h49m26s
